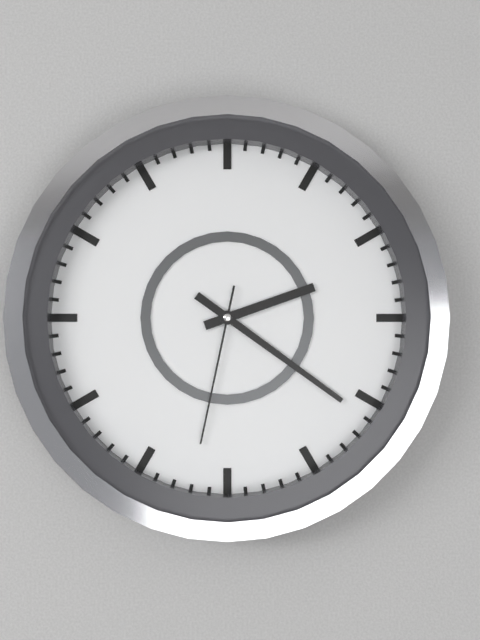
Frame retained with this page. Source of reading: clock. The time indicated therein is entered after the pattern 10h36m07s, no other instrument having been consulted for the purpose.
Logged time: 2h21m32s
